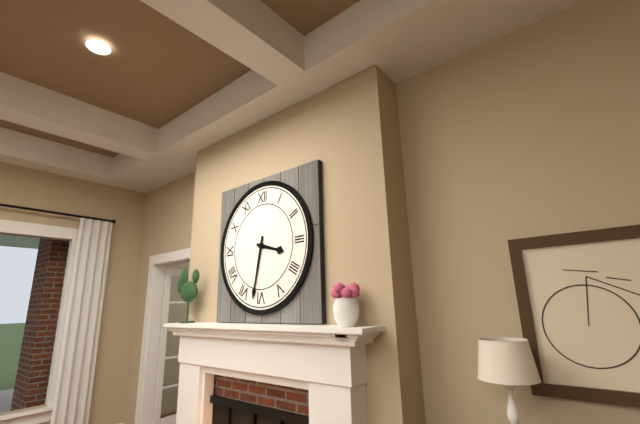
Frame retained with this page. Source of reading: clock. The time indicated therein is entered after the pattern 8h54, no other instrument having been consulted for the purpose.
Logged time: 3h32
